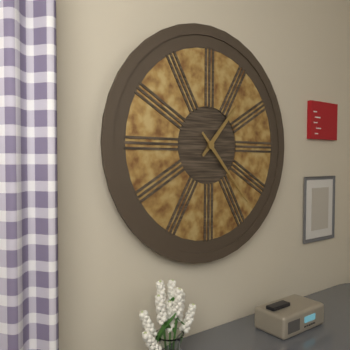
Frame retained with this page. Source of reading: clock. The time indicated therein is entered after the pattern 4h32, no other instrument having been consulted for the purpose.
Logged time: 1h23
